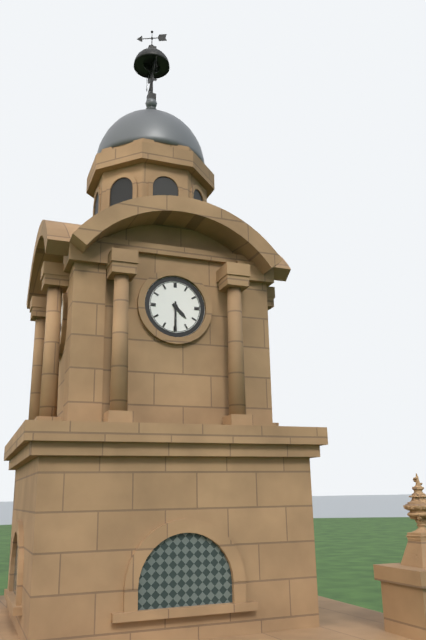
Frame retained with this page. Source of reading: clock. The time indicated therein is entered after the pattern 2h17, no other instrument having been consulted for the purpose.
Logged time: 4h30
